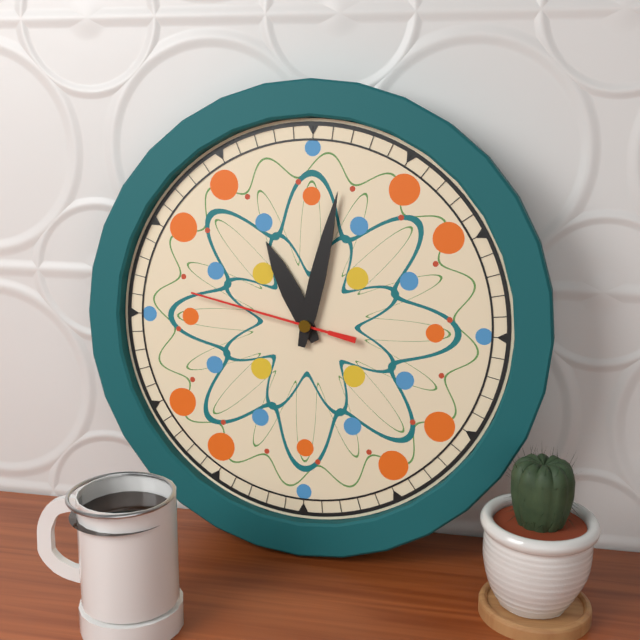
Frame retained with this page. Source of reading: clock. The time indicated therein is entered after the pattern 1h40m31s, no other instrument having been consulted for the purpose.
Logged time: 11h02m47s
